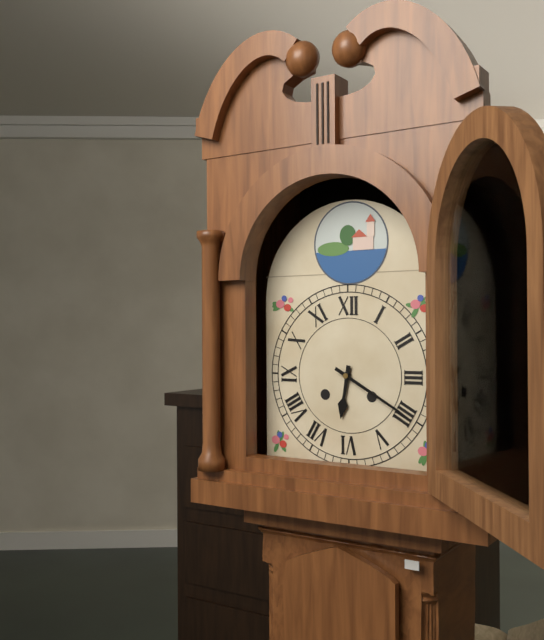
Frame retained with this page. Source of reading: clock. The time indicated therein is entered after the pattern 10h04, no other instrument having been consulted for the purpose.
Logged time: 6h20
